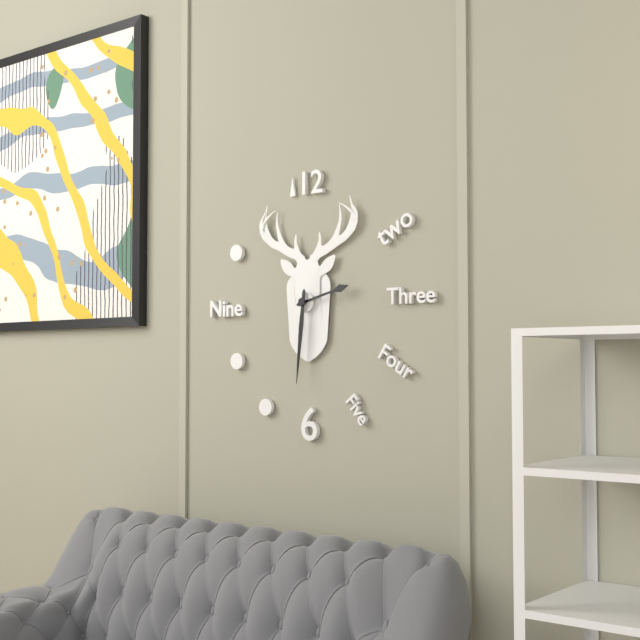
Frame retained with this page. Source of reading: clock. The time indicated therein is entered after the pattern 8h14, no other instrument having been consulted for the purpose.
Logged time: 2h31
